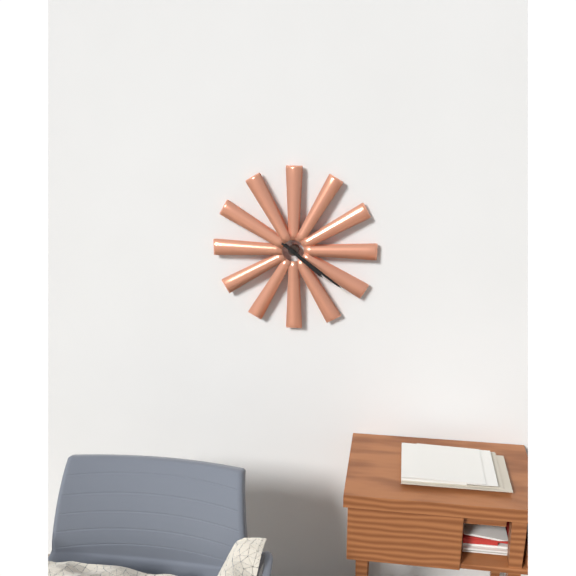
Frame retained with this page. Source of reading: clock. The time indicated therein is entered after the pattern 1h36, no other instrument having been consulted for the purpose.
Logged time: 4h21
